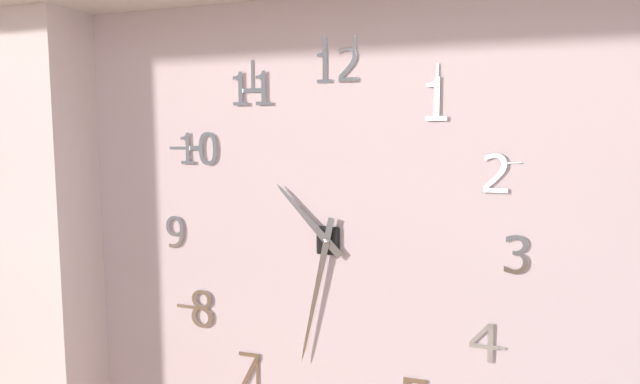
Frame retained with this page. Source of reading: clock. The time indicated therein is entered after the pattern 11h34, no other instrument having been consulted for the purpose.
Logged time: 10h32
